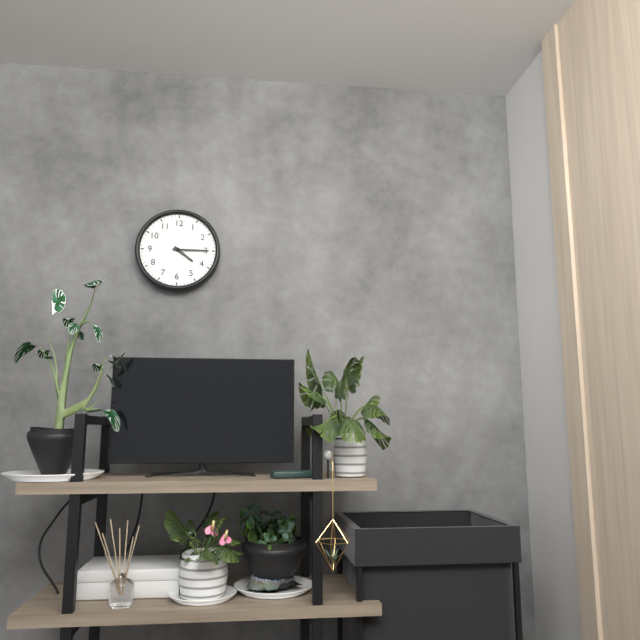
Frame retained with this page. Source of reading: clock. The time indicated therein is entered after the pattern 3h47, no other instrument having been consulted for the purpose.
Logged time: 4h15
